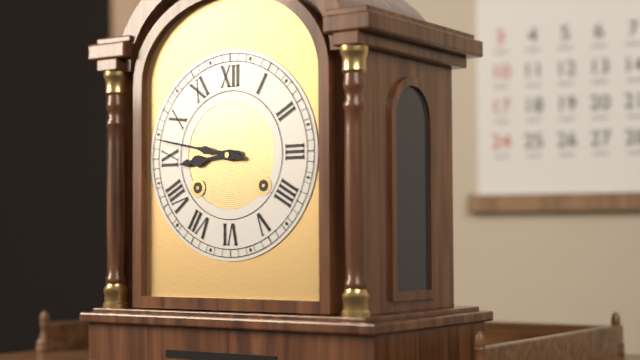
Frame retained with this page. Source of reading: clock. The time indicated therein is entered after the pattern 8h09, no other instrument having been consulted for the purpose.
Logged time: 8h47
